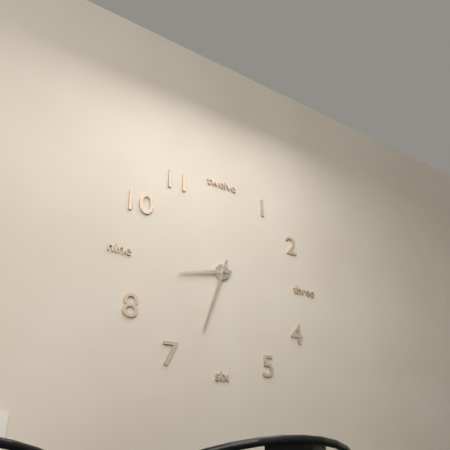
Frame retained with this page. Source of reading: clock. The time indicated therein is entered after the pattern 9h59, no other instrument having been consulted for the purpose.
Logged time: 8h33
